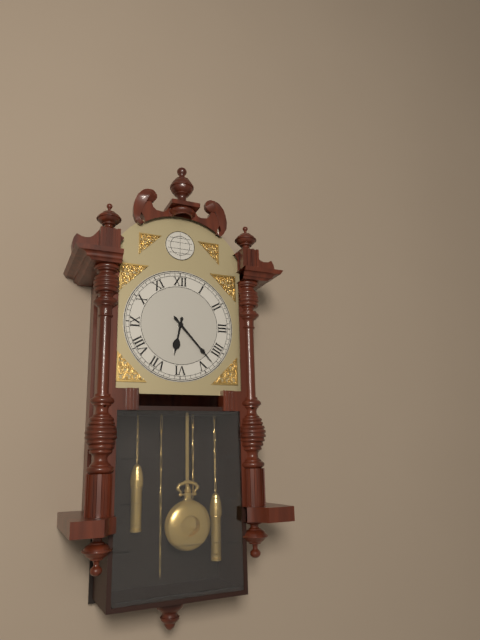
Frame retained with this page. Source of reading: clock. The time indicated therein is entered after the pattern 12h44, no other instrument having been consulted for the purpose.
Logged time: 6h23
